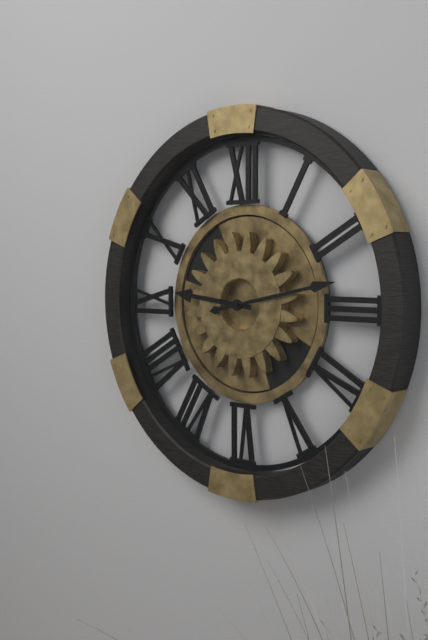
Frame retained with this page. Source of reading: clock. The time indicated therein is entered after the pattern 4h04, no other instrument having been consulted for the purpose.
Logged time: 9h13
